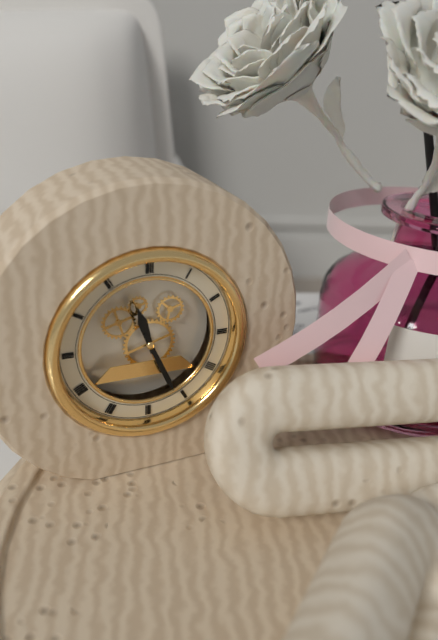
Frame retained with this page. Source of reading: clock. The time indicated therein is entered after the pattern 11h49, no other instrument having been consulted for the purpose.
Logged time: 11h26
